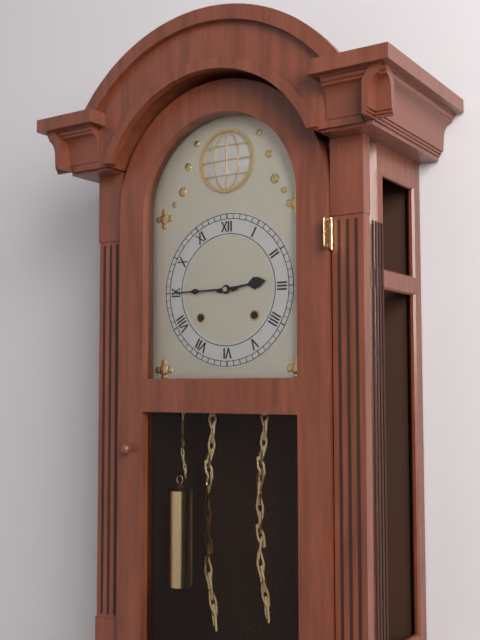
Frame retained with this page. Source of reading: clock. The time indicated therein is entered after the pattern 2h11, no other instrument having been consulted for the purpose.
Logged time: 2h45
